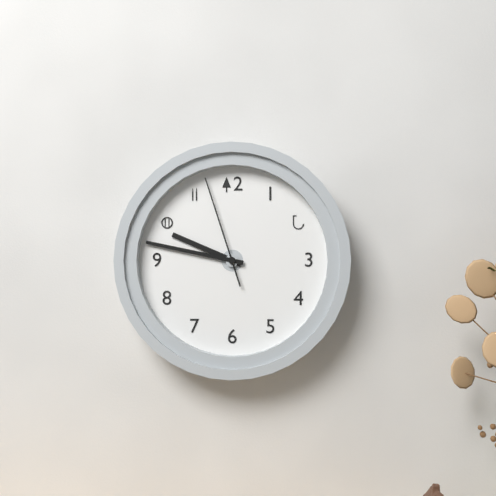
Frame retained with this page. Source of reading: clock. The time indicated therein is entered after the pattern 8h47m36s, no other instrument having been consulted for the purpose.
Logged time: 9h47m57s
